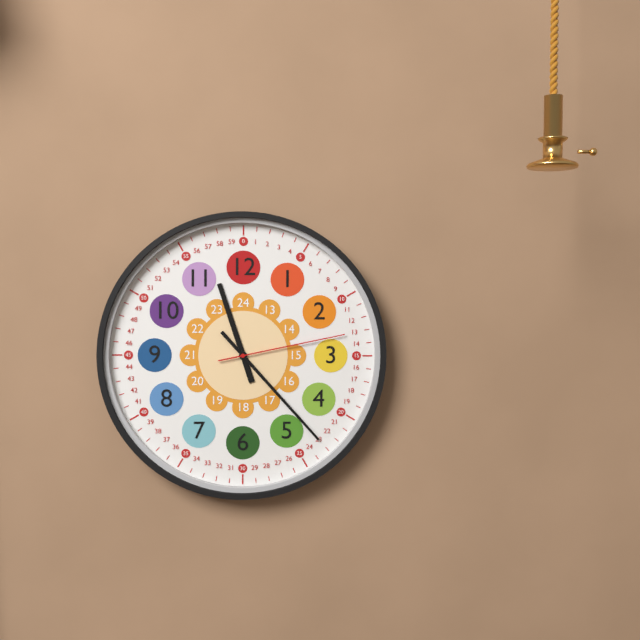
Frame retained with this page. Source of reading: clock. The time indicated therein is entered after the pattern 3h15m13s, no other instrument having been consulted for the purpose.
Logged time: 11h23m13s
